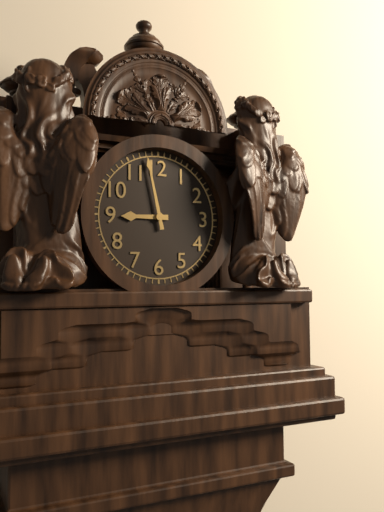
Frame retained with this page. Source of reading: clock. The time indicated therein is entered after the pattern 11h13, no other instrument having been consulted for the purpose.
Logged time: 8h58
